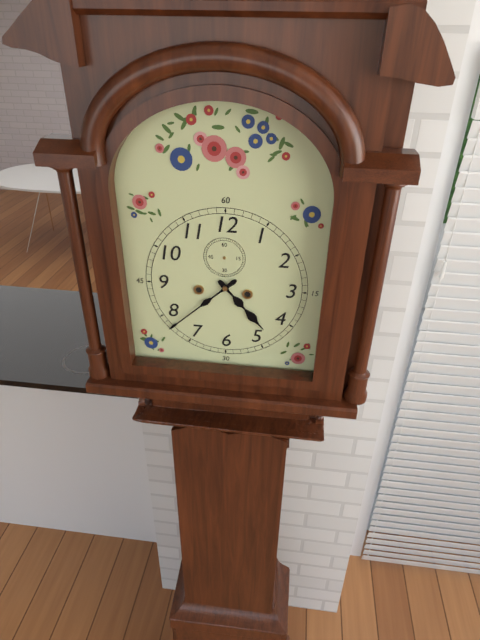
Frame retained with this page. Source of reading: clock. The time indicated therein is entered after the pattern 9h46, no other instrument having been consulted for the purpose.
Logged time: 4h38
